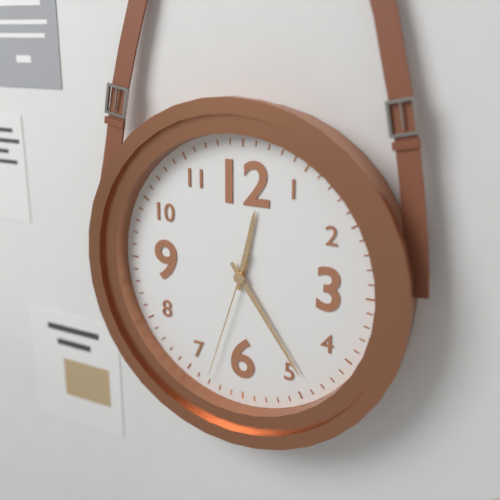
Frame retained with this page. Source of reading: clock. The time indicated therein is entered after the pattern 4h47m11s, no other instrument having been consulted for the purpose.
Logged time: 12h24m33s
